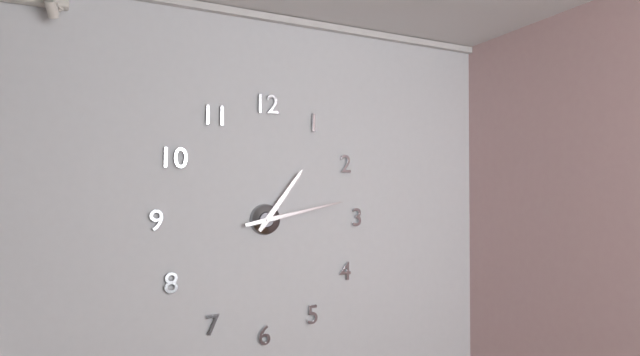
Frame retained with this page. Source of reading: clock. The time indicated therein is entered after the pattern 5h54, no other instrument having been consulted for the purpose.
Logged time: 1h13
